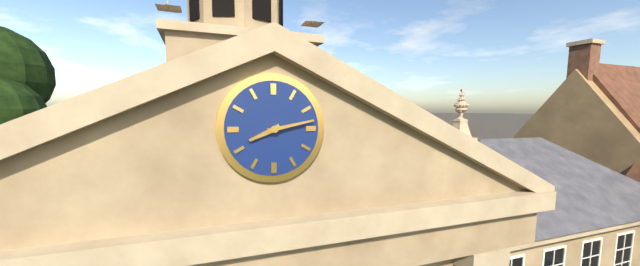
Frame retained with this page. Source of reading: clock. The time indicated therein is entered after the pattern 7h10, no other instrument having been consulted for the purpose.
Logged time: 8h13
